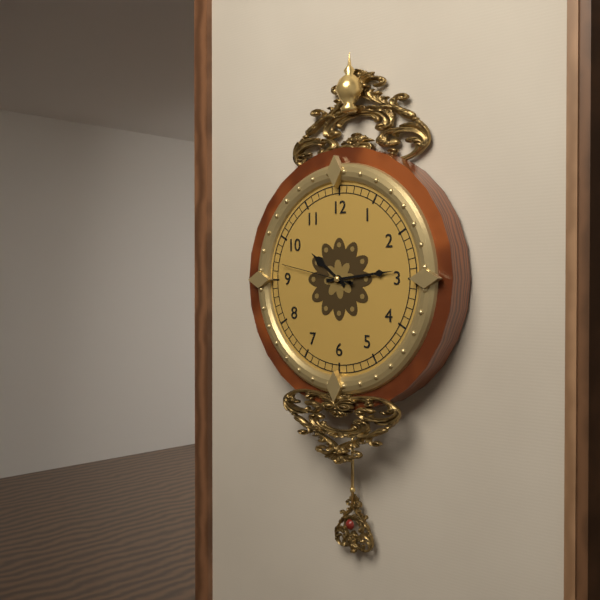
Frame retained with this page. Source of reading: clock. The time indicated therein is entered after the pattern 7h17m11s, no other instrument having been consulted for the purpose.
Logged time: 10h14m47s
